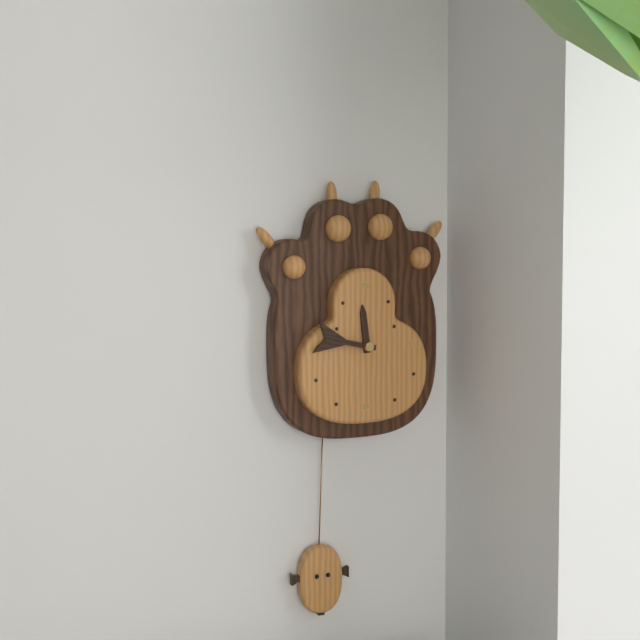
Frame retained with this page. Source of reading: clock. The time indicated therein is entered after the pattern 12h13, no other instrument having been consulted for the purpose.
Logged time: 11h47
